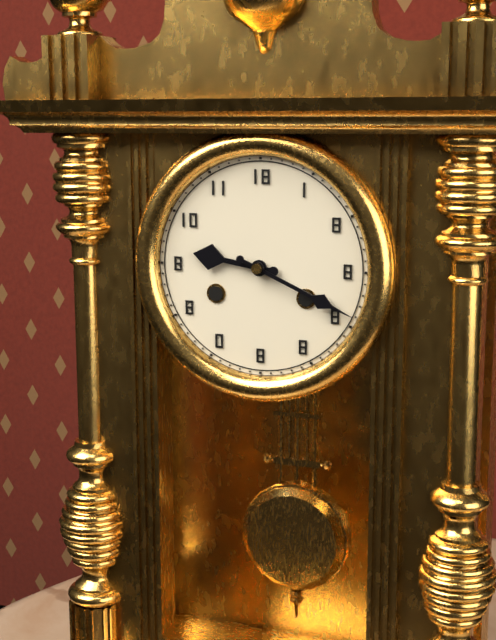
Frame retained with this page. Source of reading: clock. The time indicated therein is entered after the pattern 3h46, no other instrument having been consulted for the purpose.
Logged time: 9h19
